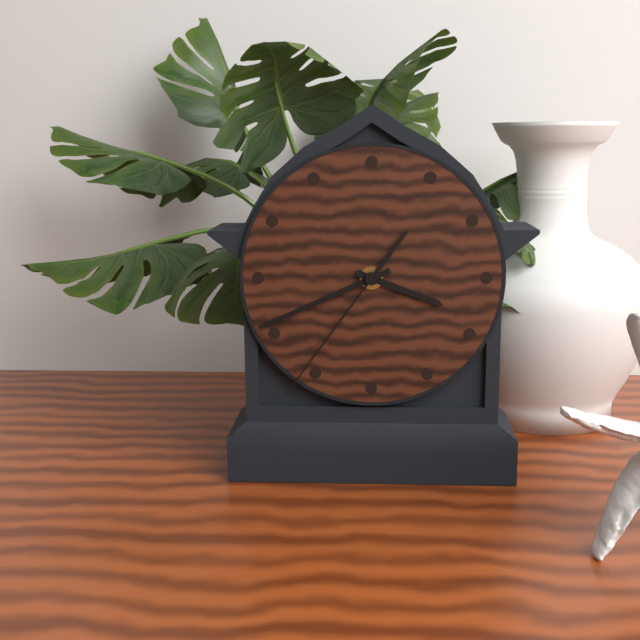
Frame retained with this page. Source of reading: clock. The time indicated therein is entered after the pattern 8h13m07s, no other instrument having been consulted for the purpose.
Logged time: 3h41m36s
